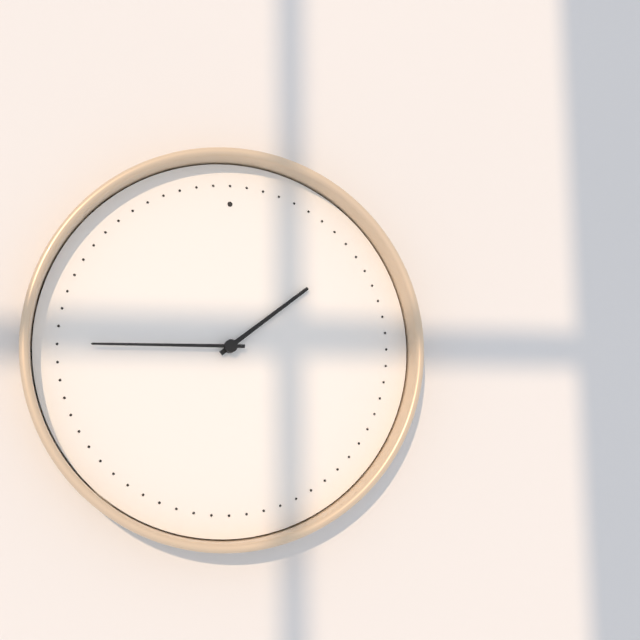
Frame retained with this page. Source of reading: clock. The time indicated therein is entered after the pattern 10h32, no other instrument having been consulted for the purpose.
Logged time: 1h45
